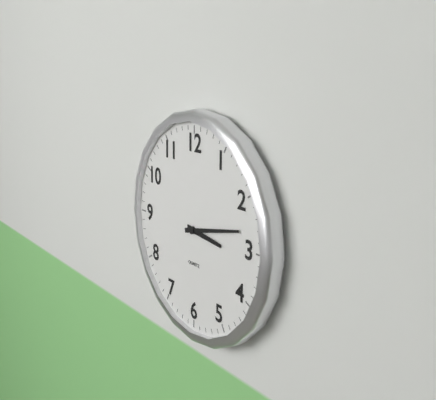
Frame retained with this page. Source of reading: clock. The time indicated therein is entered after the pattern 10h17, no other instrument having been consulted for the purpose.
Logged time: 3h13
